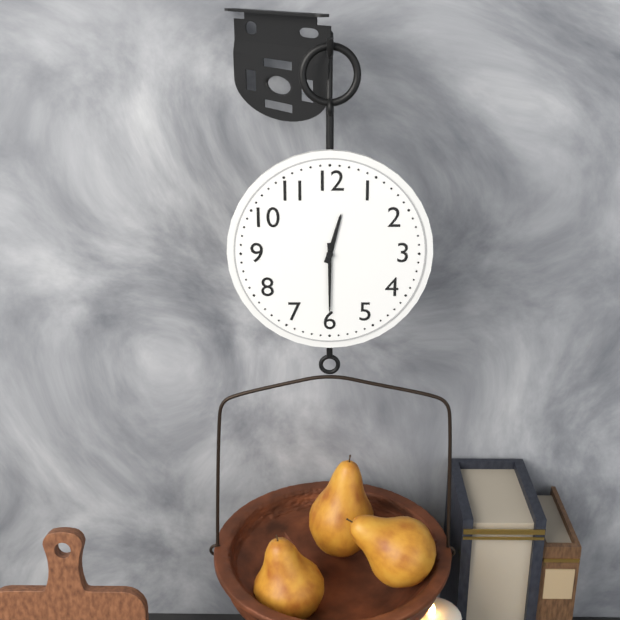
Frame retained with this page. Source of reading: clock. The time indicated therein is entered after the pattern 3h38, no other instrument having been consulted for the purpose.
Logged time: 12h30
